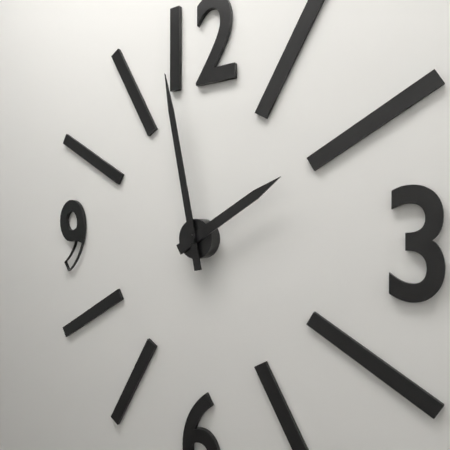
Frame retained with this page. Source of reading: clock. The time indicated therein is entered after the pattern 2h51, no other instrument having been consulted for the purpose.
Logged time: 1h58
